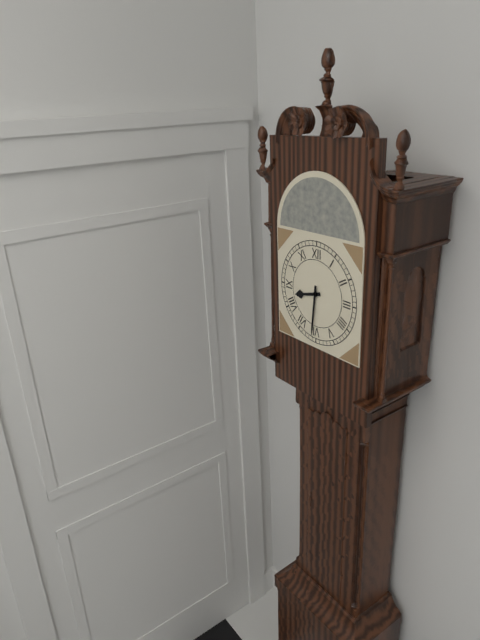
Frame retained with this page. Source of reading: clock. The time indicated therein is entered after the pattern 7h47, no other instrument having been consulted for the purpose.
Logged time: 8h31
